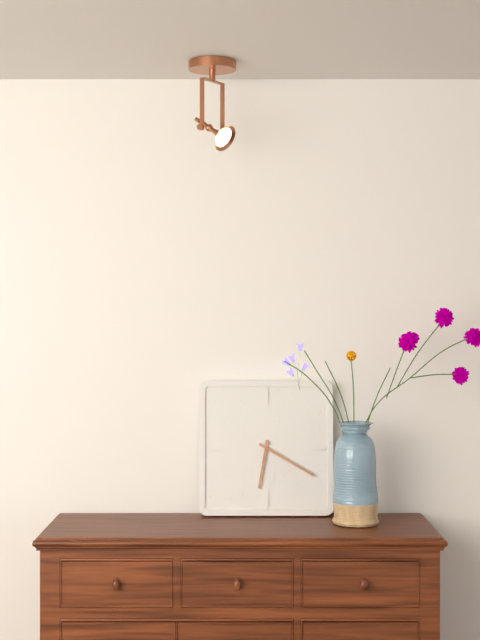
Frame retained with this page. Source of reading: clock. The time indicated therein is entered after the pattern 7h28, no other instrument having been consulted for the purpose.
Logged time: 6h20
